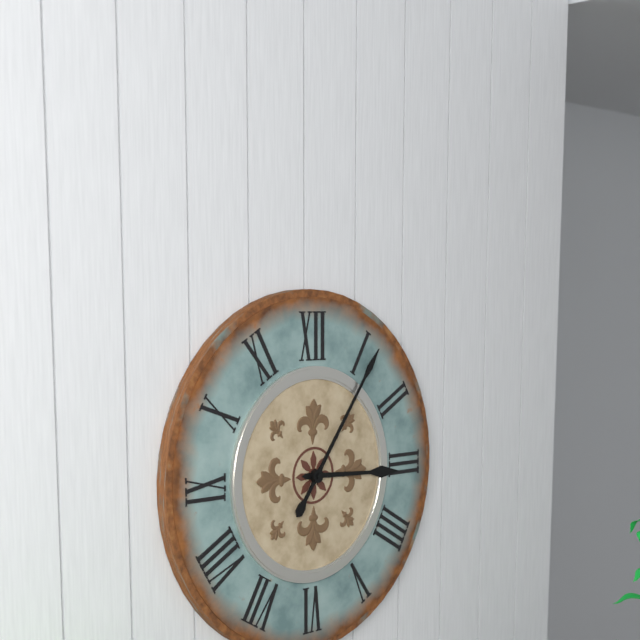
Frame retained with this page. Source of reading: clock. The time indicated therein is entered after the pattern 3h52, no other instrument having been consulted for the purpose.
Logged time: 3h06
